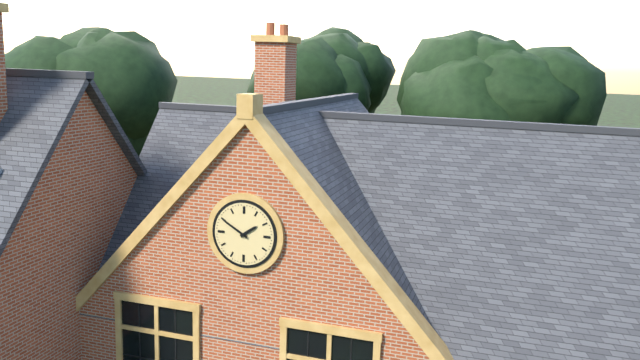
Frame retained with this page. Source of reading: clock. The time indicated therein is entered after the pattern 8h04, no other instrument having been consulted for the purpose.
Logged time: 1h50
